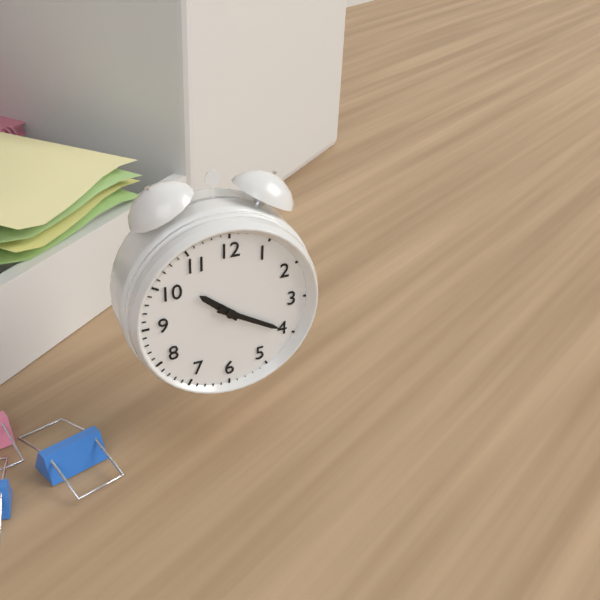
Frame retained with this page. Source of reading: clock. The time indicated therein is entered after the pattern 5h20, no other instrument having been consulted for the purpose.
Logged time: 10h20
